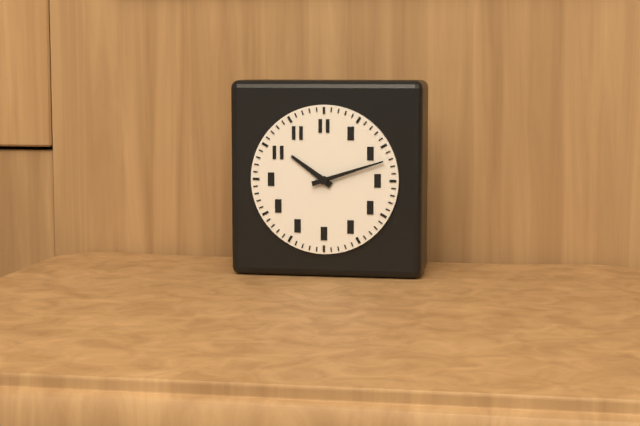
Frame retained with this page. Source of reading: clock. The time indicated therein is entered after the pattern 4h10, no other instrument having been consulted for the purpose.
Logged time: 10h12
